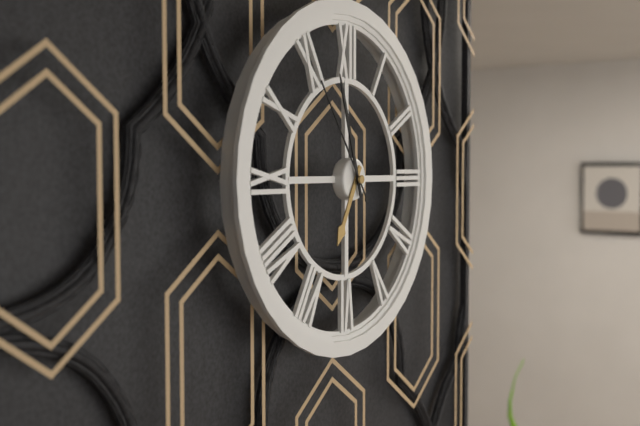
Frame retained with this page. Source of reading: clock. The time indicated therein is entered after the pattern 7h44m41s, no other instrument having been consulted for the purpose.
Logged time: 6h57m54s
